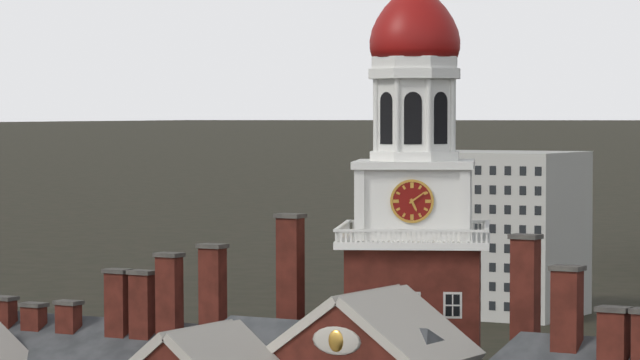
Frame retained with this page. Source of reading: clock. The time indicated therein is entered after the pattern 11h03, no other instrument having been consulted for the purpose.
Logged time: 5h09
